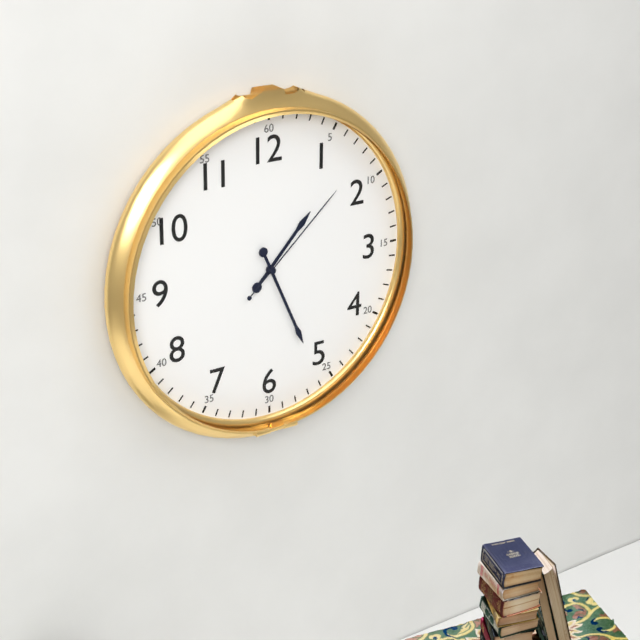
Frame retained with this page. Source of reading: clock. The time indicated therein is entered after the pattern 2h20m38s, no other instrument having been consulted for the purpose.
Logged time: 1h26m08s
